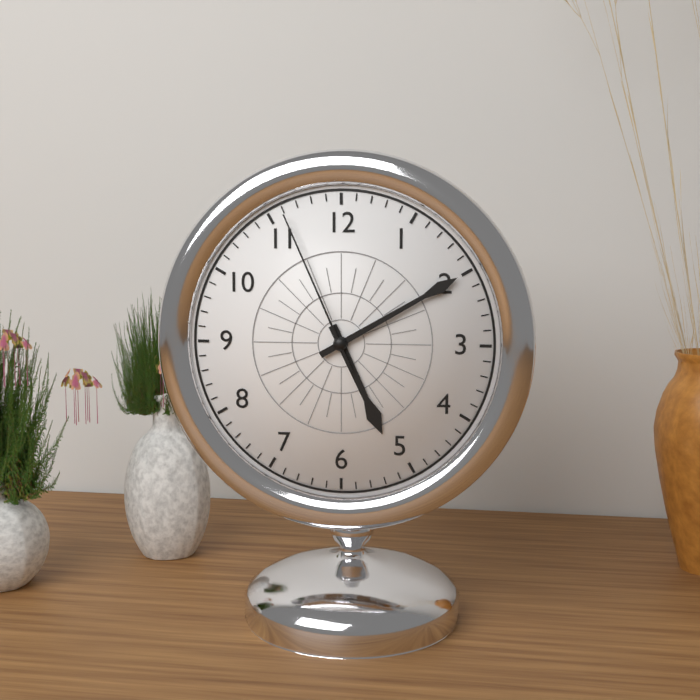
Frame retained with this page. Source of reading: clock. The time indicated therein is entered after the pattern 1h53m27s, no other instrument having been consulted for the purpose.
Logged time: 5h10m56s
